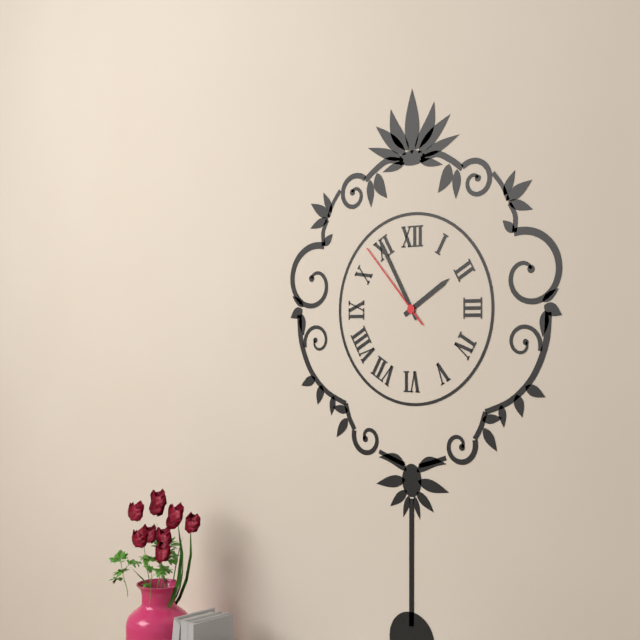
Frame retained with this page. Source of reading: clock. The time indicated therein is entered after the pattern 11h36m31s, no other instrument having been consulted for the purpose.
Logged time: 1h55m53s
